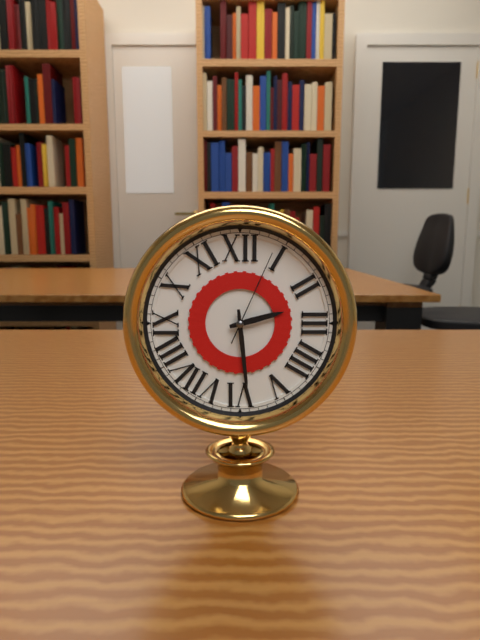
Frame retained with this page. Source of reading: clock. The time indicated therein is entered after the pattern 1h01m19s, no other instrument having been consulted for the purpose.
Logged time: 2h29m04s
